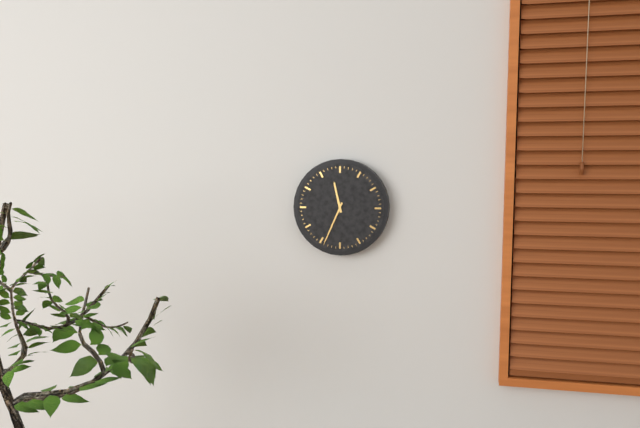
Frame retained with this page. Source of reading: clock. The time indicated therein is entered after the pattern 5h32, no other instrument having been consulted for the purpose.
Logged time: 11h34
